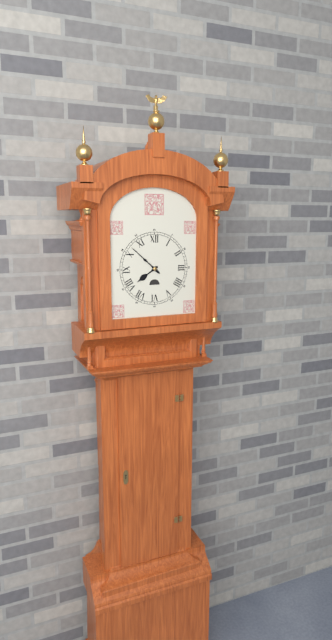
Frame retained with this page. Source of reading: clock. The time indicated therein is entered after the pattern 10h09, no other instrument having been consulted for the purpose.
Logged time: 7h52
